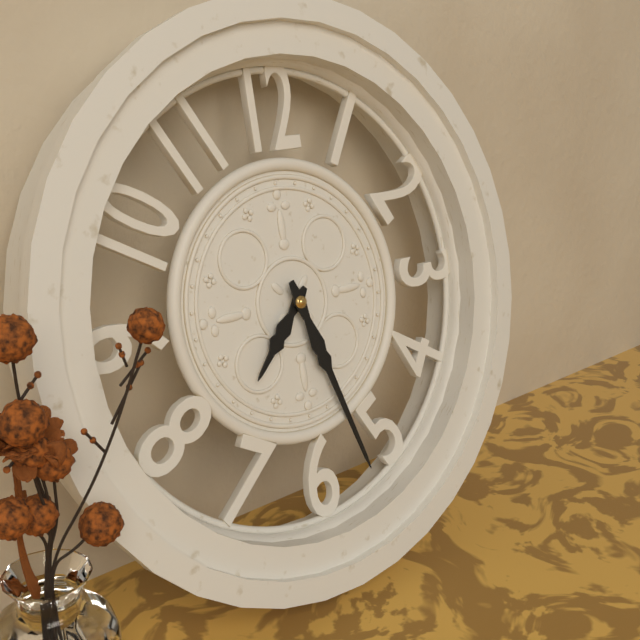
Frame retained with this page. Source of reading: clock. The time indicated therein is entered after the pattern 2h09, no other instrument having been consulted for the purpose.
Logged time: 7h27
